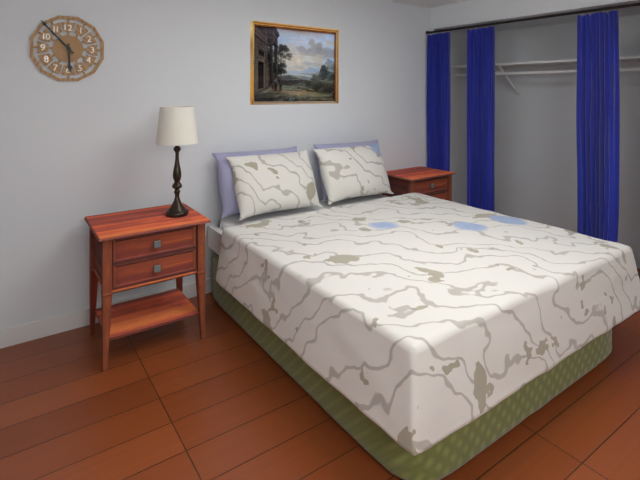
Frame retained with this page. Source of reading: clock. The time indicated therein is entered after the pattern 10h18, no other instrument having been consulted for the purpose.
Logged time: 5h53
